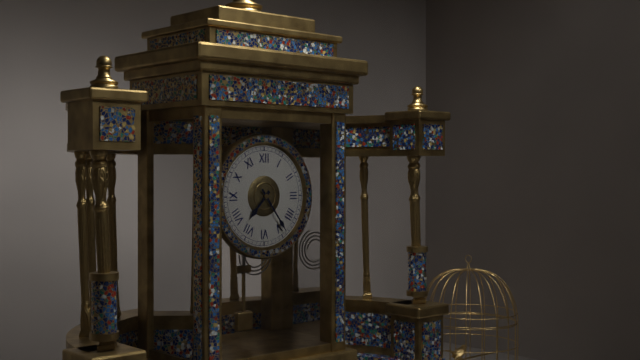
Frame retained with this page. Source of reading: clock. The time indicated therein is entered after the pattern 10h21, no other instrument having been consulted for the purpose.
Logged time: 7h24
